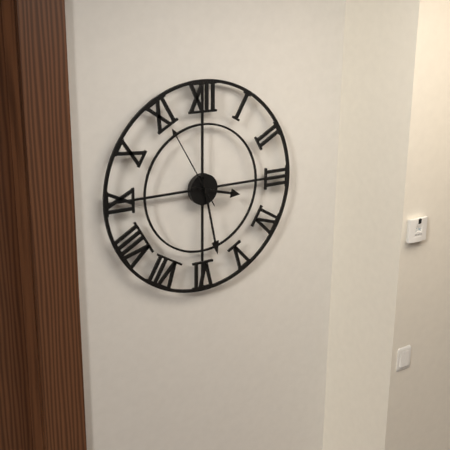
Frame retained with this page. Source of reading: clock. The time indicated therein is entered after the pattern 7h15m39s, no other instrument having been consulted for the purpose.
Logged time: 3h28m55s
